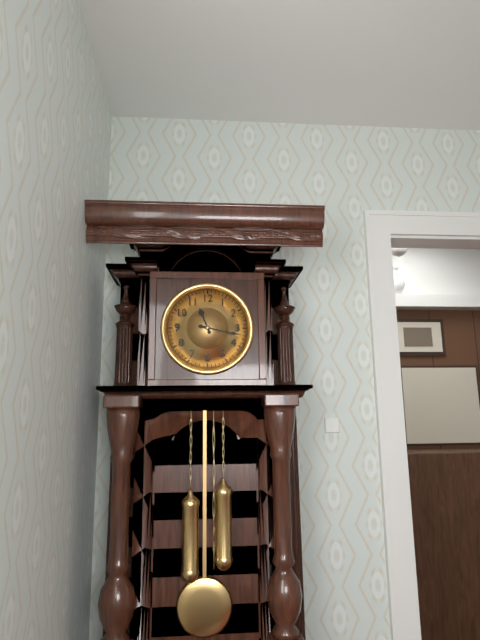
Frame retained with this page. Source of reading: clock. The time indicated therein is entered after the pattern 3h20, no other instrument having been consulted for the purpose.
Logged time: 11h17
